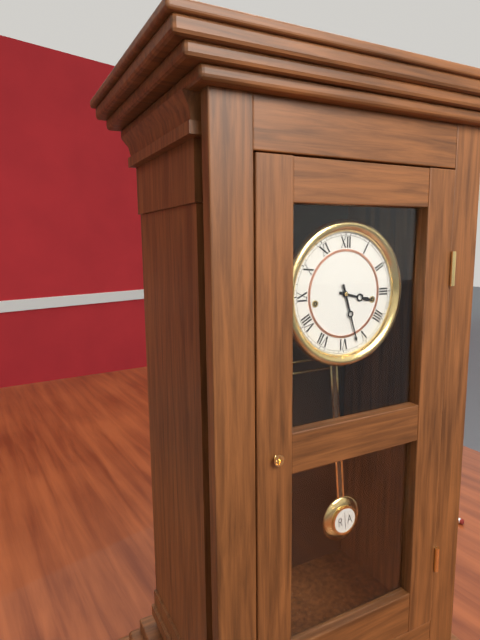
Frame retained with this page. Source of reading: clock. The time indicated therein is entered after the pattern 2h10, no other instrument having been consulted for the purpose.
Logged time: 3h27
